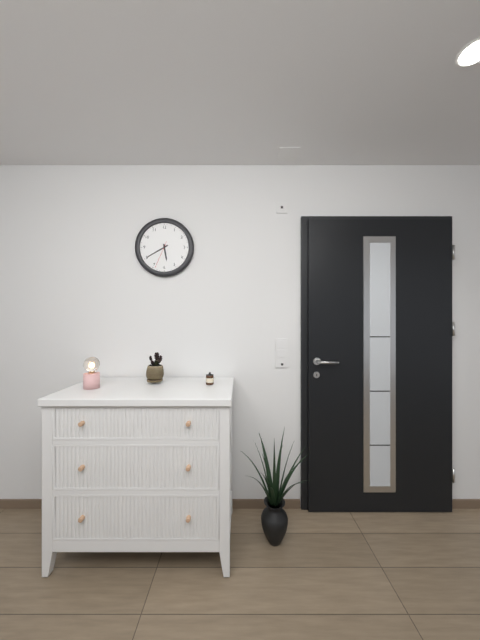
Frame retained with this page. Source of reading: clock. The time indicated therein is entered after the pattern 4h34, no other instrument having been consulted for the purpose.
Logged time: 5h40
